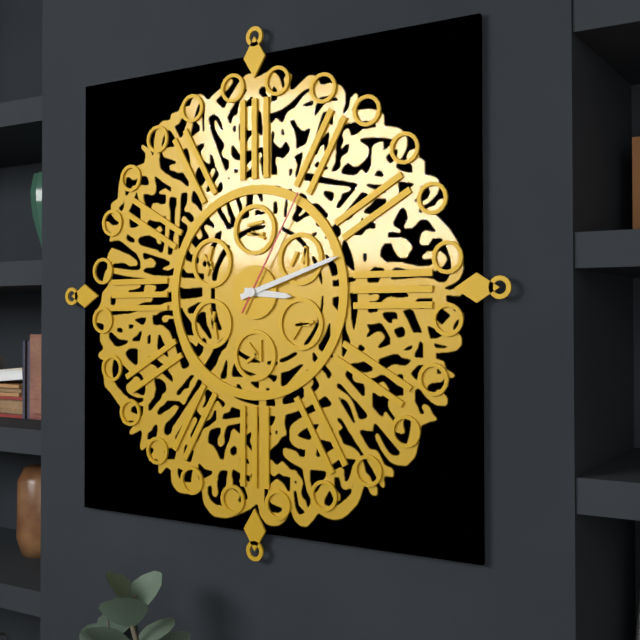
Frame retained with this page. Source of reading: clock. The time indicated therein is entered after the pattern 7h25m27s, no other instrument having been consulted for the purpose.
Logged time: 3h12m05s
